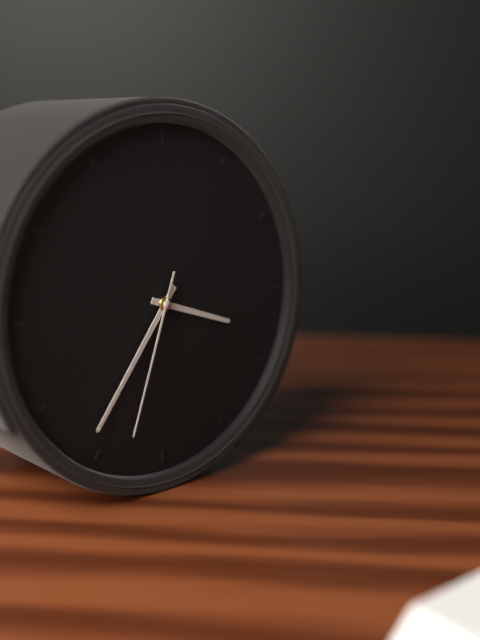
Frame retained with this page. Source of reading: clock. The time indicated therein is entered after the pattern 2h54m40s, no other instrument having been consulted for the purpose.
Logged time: 3h36m33s
